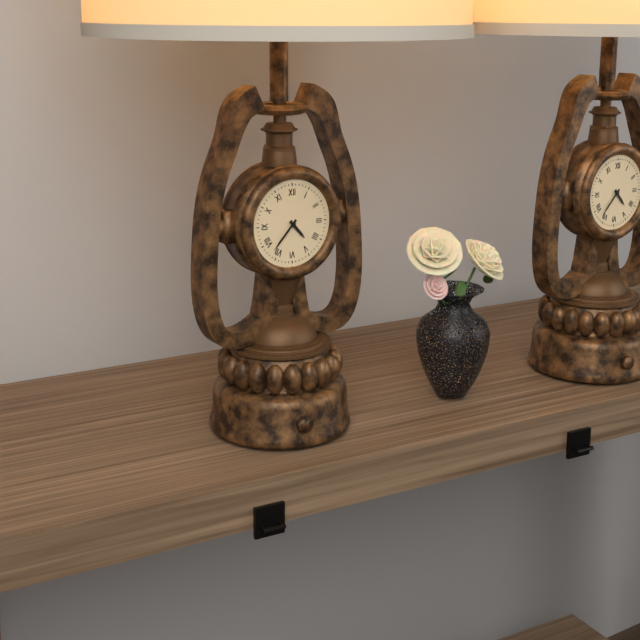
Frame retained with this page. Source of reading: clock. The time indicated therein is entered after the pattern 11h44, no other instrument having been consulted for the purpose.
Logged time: 4h37
